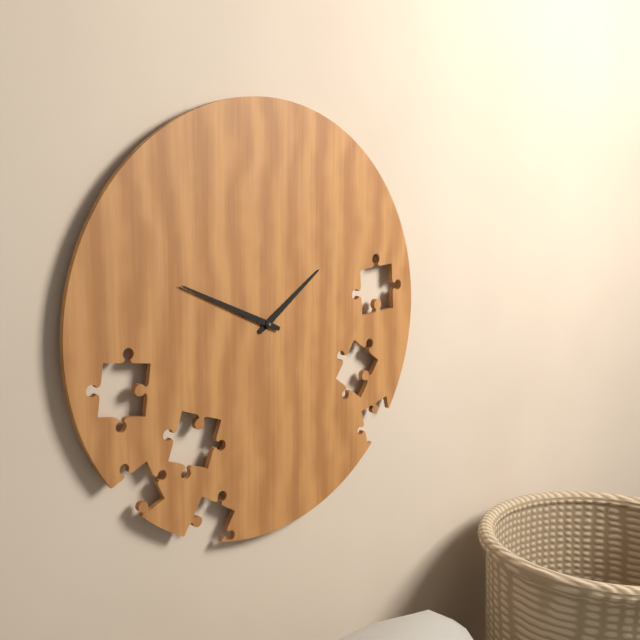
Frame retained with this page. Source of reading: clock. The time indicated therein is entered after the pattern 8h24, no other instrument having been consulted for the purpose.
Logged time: 1h49
